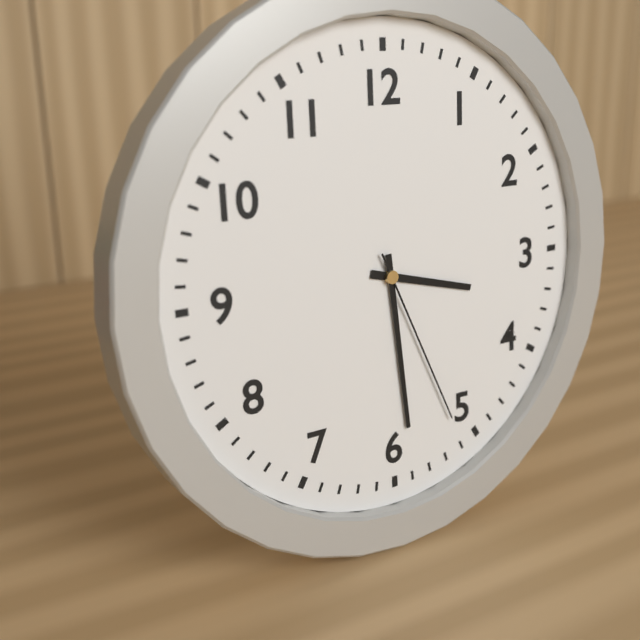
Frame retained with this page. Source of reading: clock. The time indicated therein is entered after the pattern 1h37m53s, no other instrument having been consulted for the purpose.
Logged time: 3h29m26s
